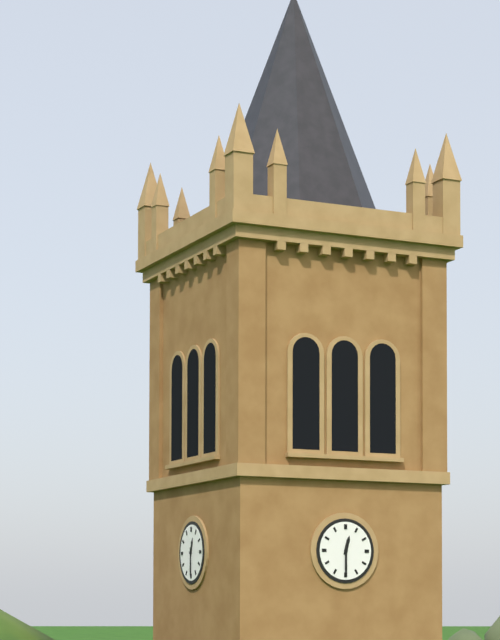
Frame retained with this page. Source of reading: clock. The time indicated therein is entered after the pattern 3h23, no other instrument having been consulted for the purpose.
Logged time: 12h30
